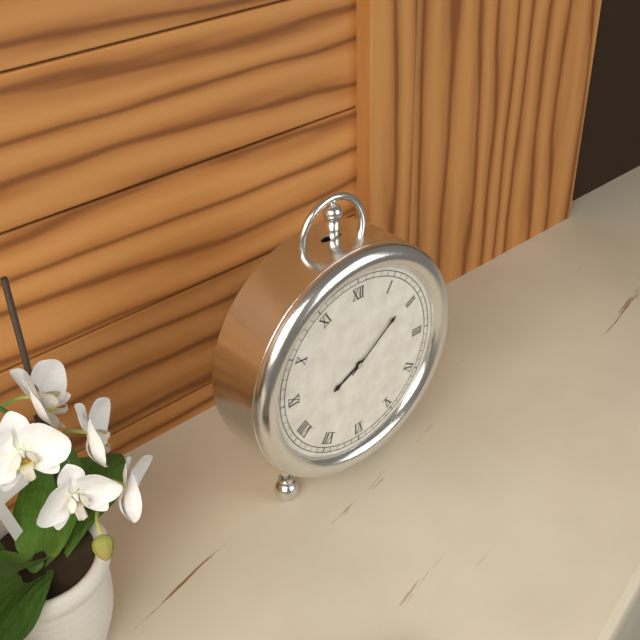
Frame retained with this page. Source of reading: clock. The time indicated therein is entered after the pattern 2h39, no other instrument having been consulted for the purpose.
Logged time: 8h09
